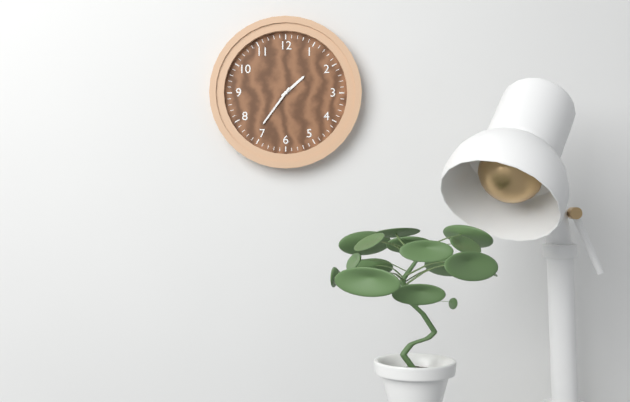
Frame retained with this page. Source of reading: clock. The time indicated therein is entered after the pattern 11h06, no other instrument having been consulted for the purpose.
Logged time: 1h36
